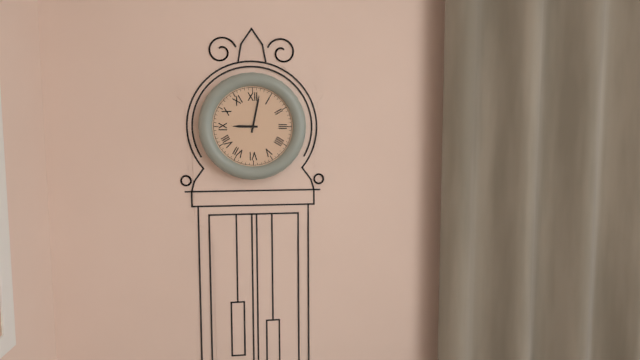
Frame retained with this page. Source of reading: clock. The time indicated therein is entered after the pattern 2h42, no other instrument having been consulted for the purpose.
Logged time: 9h02
